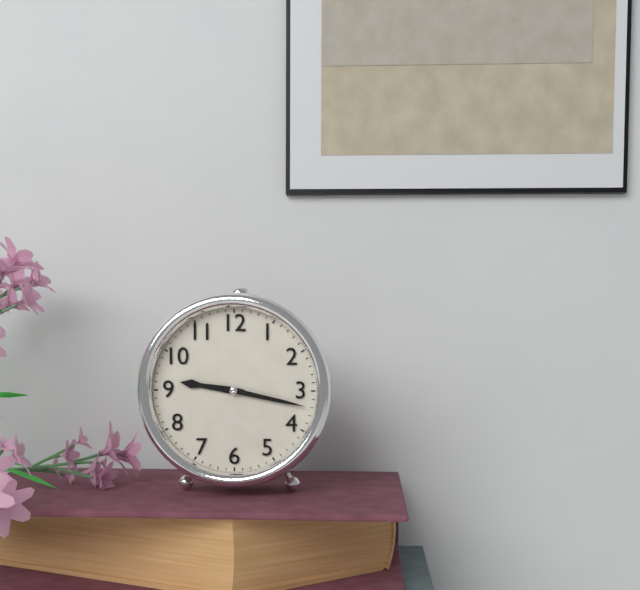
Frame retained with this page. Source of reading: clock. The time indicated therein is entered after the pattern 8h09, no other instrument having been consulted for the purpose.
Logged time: 9h17
